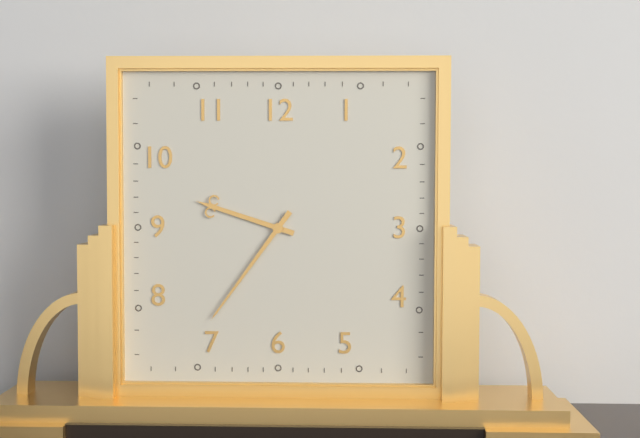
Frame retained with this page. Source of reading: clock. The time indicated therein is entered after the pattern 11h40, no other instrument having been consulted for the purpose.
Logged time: 9h36
